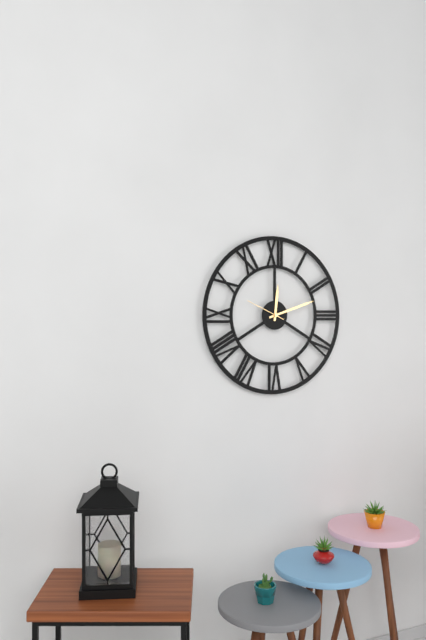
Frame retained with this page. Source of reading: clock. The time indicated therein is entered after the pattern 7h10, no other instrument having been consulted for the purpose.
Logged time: 12h12
